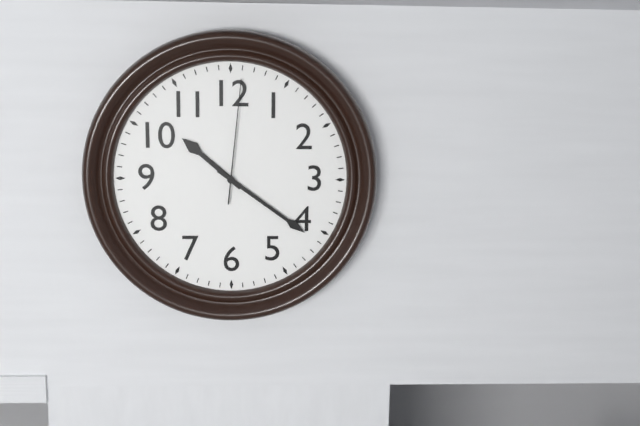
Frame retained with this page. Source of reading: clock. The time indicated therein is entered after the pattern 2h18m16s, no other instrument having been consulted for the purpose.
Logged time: 10h21m01s
